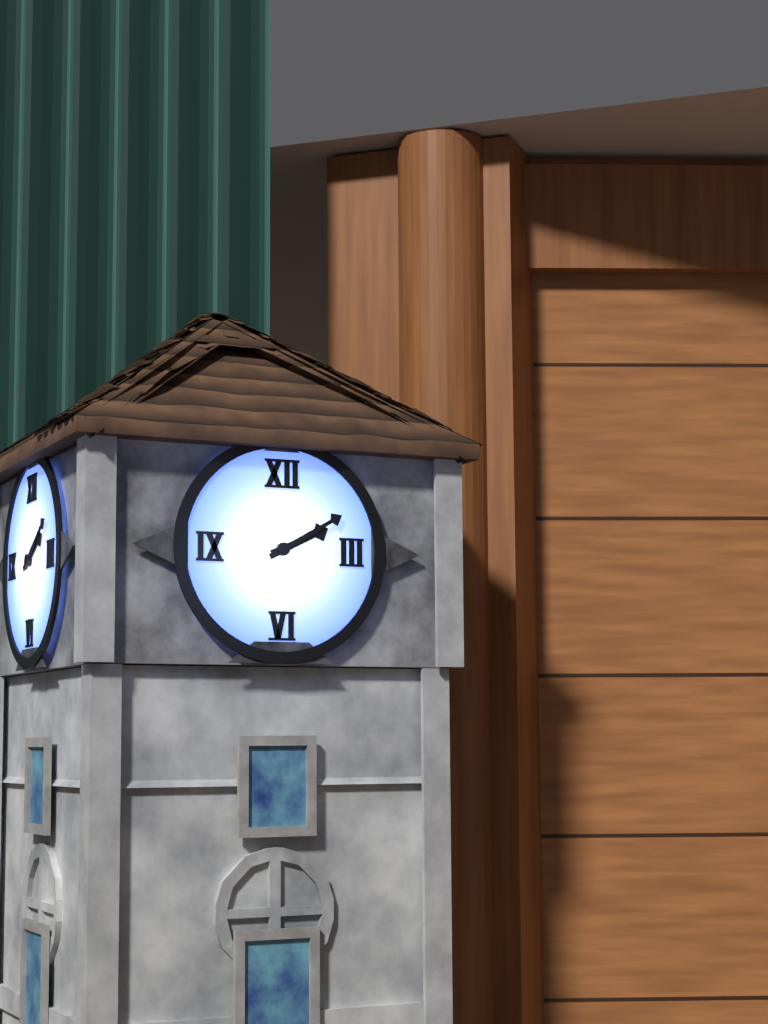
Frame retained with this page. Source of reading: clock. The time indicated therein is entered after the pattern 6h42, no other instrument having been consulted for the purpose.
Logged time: 2h10
